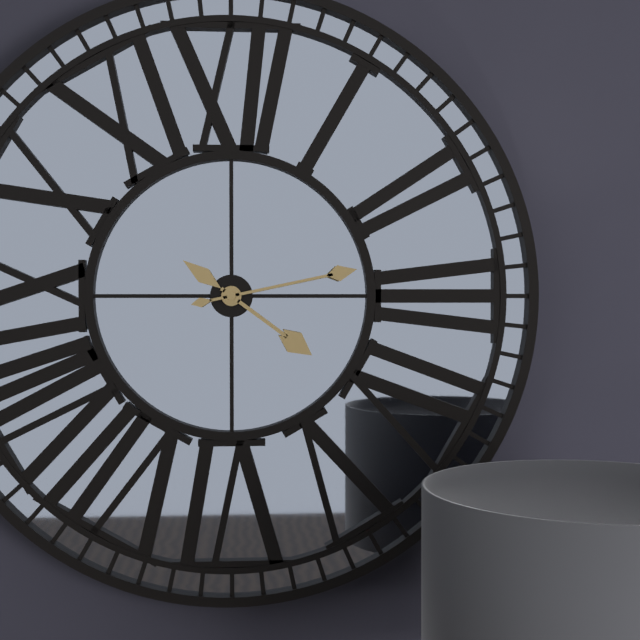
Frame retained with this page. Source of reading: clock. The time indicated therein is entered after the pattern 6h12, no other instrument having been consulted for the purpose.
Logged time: 4h13
